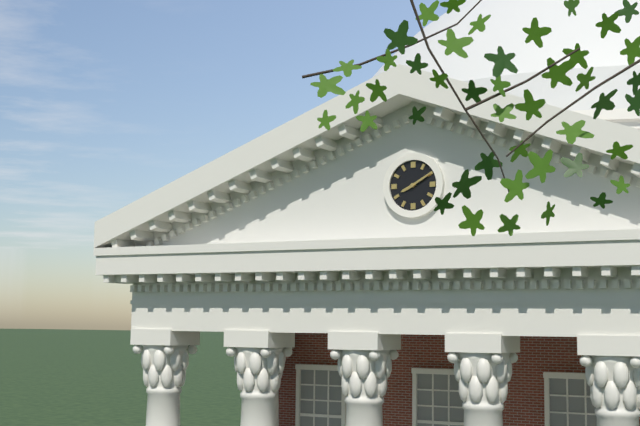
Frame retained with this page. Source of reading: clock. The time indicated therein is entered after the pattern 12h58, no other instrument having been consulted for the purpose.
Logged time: 8h10
